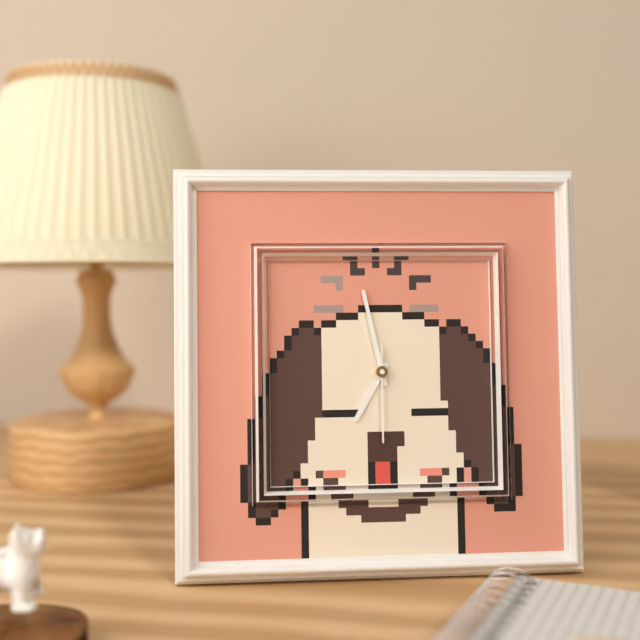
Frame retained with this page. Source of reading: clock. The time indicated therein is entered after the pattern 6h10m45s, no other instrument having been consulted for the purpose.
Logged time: 6h58m30s
